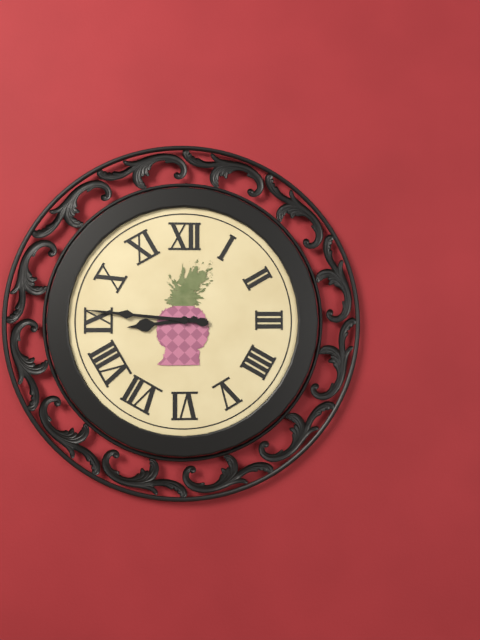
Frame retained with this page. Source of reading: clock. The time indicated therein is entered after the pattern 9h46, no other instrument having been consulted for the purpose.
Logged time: 8h46
